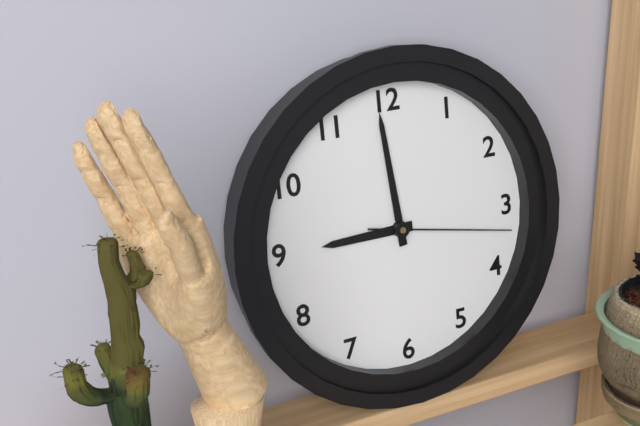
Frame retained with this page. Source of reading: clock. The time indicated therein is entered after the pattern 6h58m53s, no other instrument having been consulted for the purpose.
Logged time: 8h59m17s
